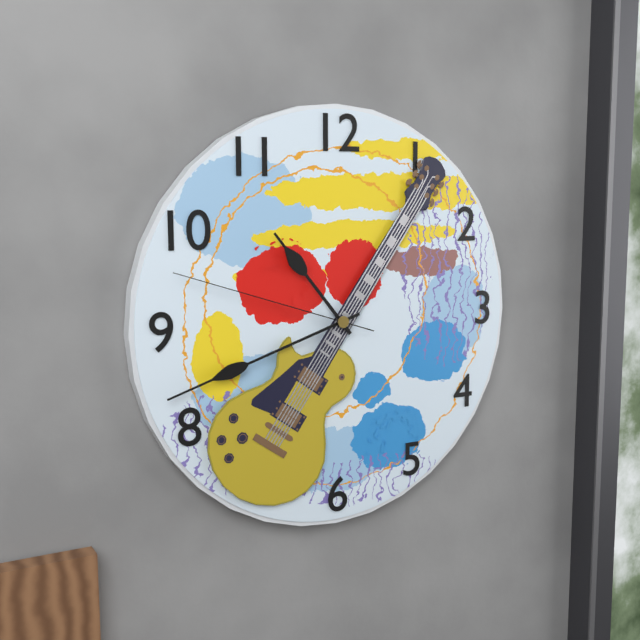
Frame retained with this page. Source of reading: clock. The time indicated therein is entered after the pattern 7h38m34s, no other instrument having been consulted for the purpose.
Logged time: 10h42m48s
